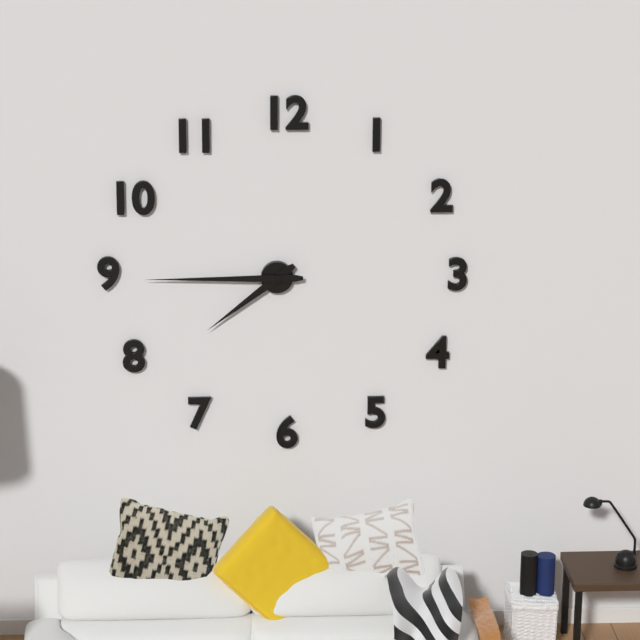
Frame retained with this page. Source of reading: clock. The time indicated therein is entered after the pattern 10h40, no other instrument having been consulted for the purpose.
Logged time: 7h45
